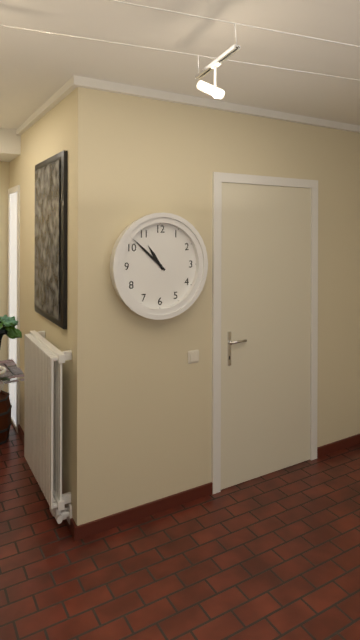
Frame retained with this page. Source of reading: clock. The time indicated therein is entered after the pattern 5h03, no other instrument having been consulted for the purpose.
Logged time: 10h52
